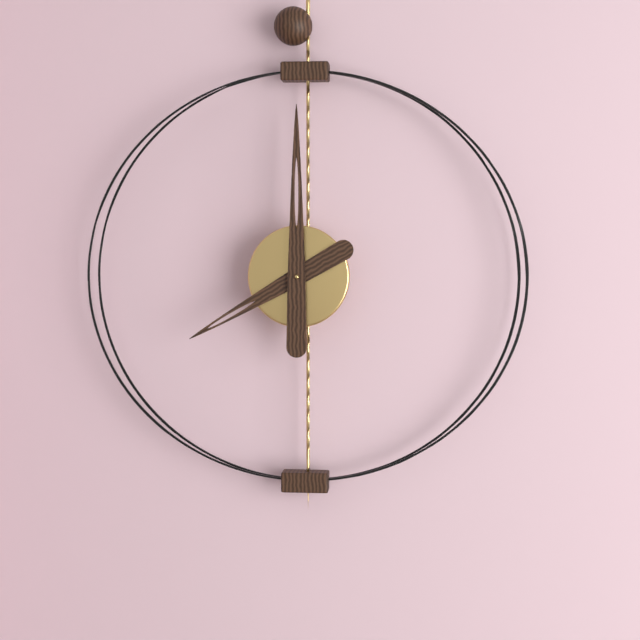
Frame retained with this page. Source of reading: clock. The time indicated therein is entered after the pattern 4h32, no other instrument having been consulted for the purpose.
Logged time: 8h00
